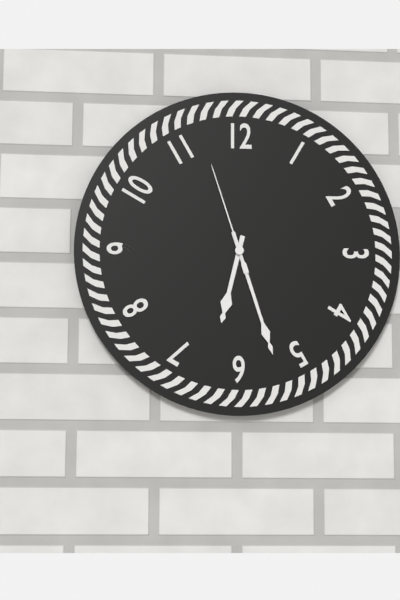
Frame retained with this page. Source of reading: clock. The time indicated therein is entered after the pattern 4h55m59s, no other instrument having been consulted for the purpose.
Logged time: 6h27m57s
